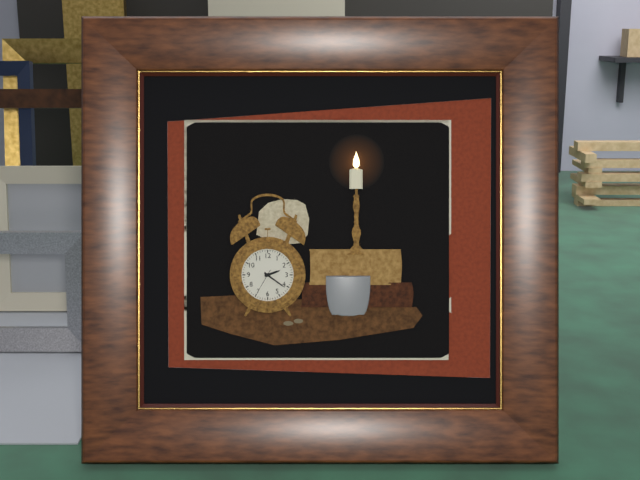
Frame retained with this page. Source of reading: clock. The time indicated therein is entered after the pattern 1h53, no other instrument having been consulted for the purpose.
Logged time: 2h21
